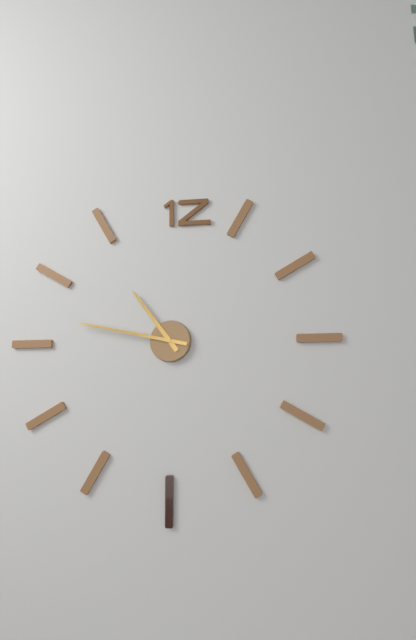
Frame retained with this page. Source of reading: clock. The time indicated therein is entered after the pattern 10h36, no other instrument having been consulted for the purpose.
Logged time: 10h47
